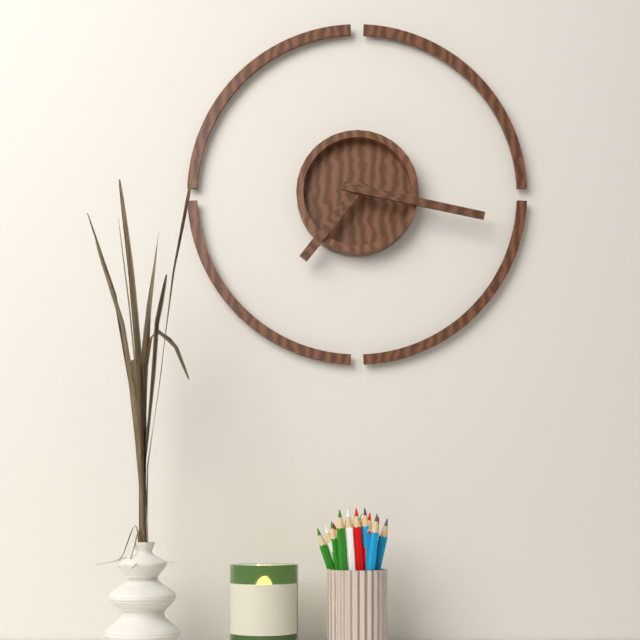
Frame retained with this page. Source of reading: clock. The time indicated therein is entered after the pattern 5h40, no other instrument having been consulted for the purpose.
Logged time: 7h17
